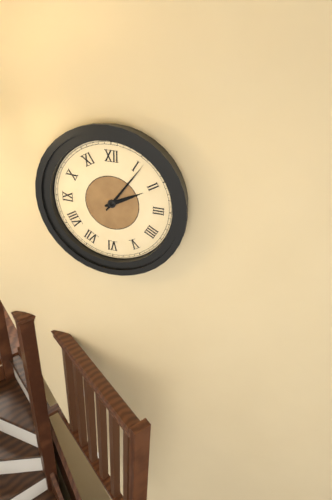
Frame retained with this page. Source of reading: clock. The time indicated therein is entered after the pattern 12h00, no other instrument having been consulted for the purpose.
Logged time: 2h06
